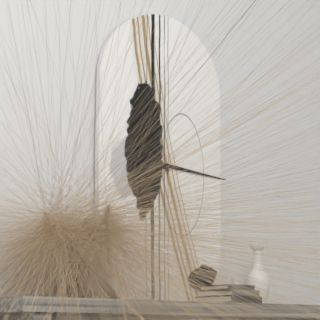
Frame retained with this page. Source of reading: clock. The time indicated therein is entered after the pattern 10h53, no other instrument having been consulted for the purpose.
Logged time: 10h16
